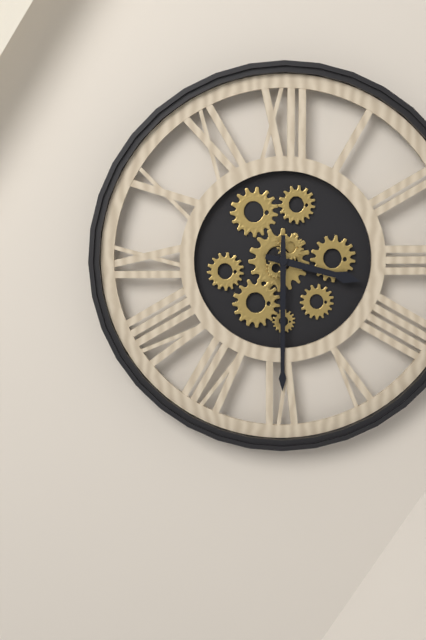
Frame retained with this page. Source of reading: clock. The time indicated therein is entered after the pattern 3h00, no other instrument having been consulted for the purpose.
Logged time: 3h30
